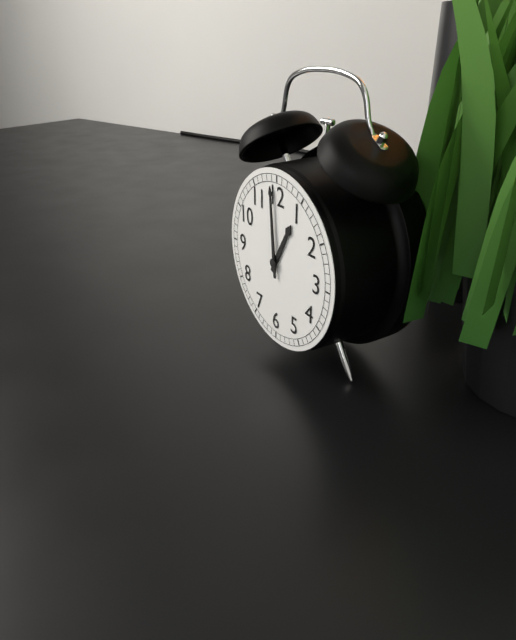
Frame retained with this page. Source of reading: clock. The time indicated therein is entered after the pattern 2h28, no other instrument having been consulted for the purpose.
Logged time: 12h59
